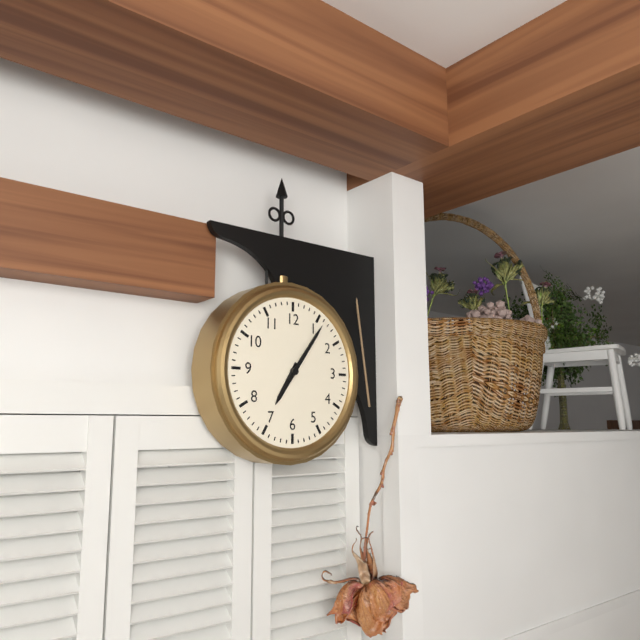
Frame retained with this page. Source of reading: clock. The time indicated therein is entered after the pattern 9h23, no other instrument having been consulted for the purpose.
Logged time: 7h06
